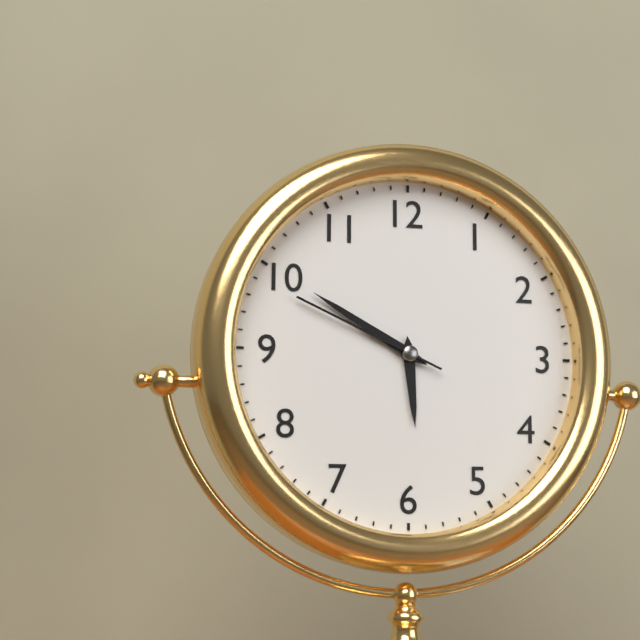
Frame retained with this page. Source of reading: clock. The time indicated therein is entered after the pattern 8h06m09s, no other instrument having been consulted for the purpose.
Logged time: 5h50m49s
